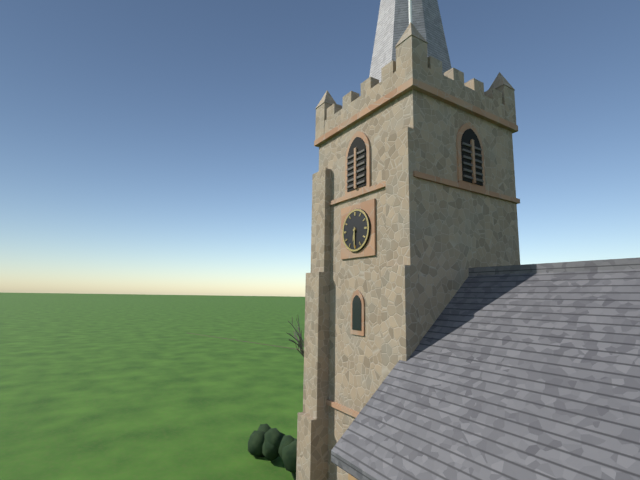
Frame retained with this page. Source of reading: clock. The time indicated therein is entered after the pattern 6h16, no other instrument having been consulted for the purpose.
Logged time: 6h30
